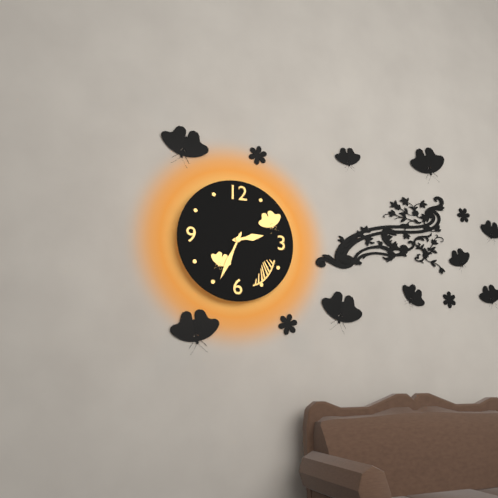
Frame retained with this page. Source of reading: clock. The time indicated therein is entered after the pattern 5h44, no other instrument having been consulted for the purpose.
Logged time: 2h34
